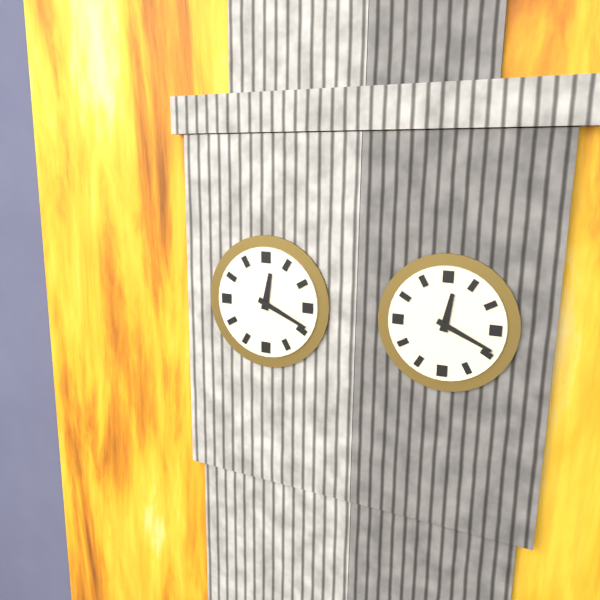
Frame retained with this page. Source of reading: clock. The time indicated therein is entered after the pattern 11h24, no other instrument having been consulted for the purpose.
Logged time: 12h19
